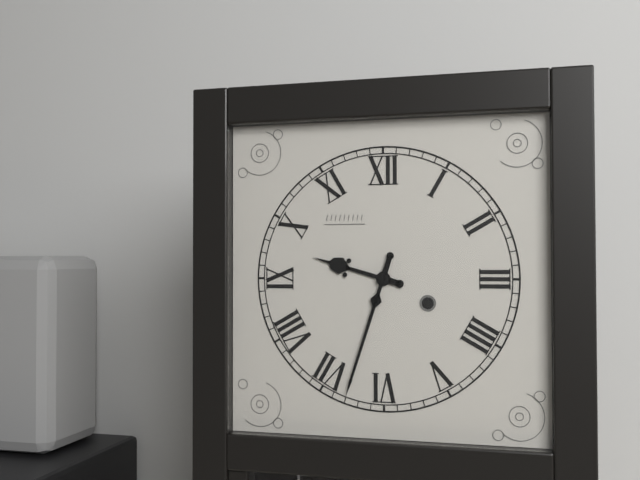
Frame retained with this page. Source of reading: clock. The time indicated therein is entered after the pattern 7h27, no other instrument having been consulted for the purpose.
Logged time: 9h33
